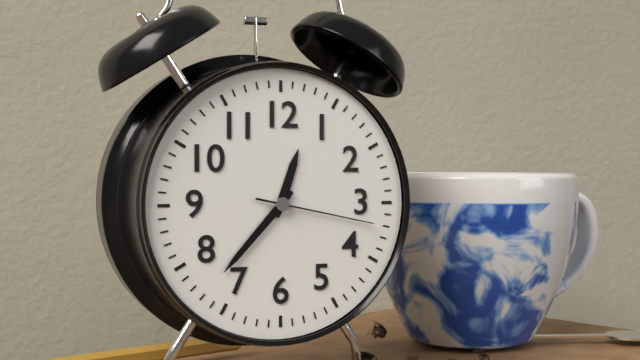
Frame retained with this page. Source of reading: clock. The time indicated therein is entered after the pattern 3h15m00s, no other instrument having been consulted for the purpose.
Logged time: 12h37m17s
